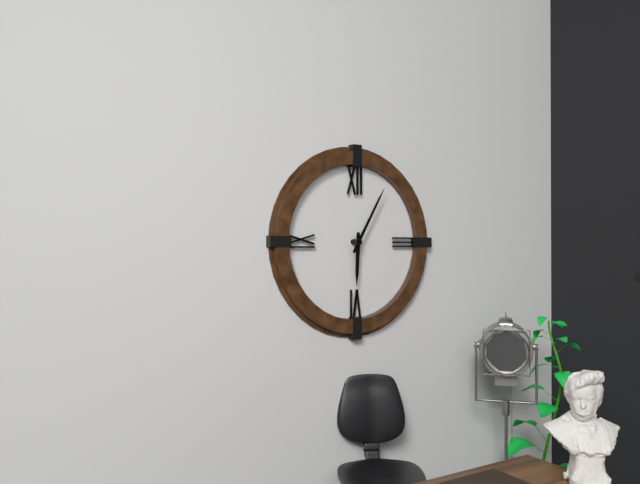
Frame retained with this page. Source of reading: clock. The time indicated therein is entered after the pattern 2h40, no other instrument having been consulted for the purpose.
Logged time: 6h05
